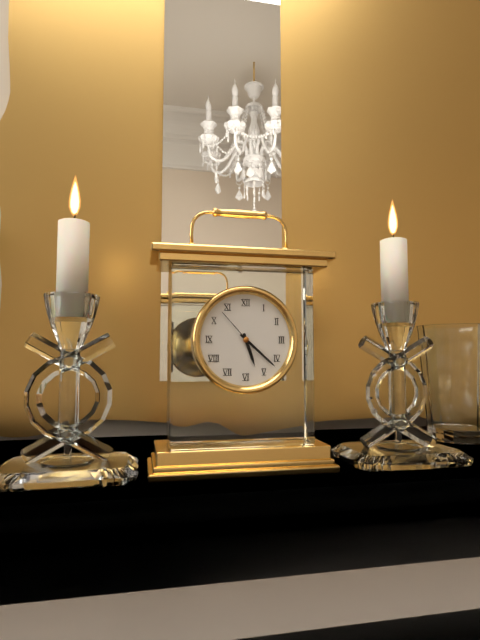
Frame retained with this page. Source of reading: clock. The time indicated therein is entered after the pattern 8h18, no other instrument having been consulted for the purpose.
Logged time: 5h22
